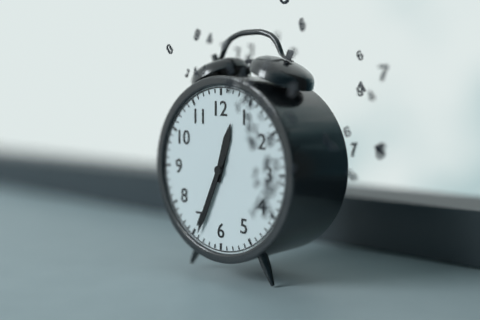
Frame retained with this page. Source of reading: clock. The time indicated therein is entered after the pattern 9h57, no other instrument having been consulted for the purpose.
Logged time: 12h34
